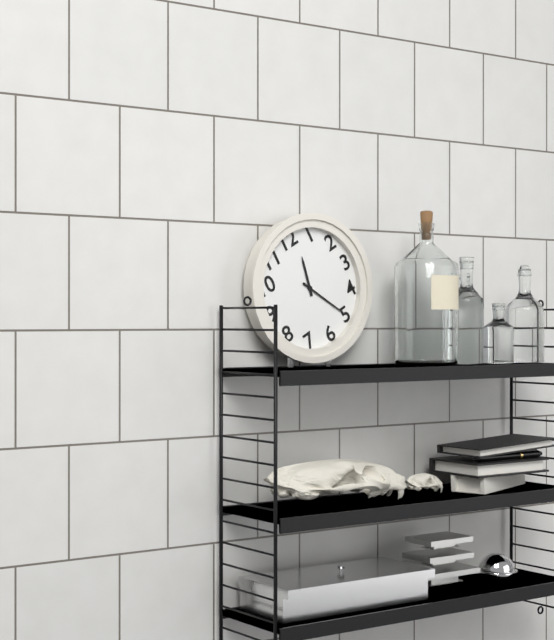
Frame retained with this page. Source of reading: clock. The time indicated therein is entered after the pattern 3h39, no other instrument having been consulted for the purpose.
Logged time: 12h25
